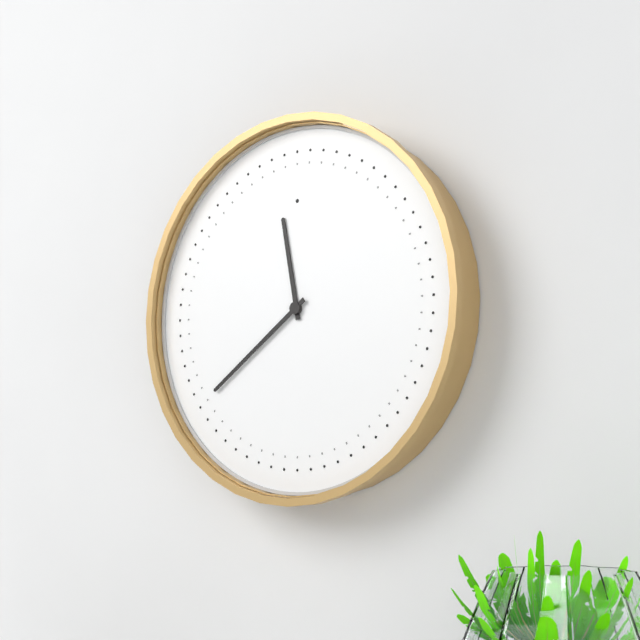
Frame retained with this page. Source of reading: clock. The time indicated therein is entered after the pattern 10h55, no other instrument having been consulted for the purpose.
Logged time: 11h39
